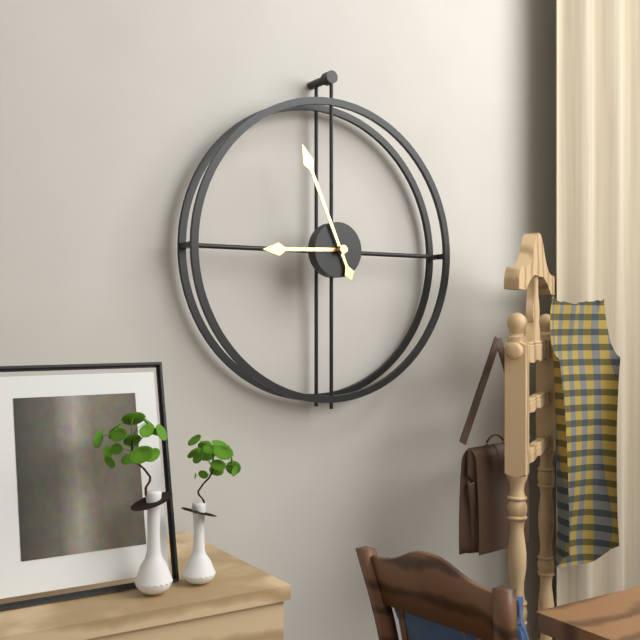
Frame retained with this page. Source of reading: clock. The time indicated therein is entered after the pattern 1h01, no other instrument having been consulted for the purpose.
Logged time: 8h56
